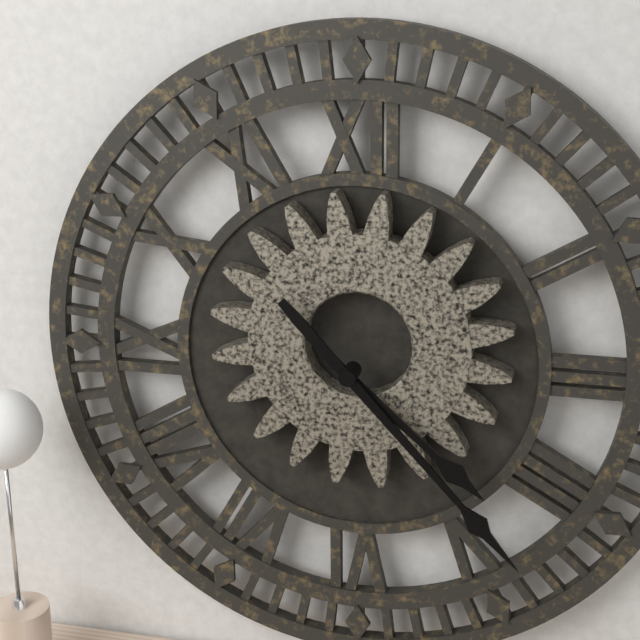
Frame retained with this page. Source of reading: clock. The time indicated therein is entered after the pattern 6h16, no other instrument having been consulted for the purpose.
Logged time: 4h23
